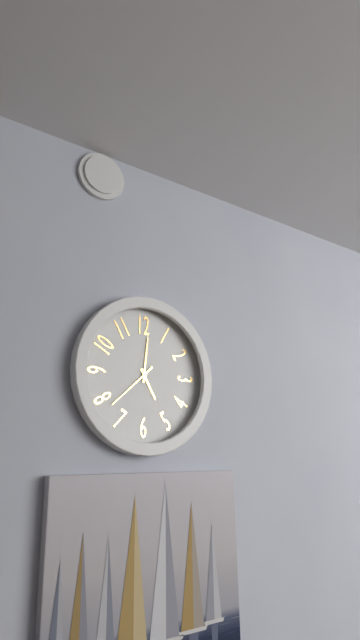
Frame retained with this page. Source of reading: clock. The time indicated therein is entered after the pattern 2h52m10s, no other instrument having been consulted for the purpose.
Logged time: 5h01m38s
